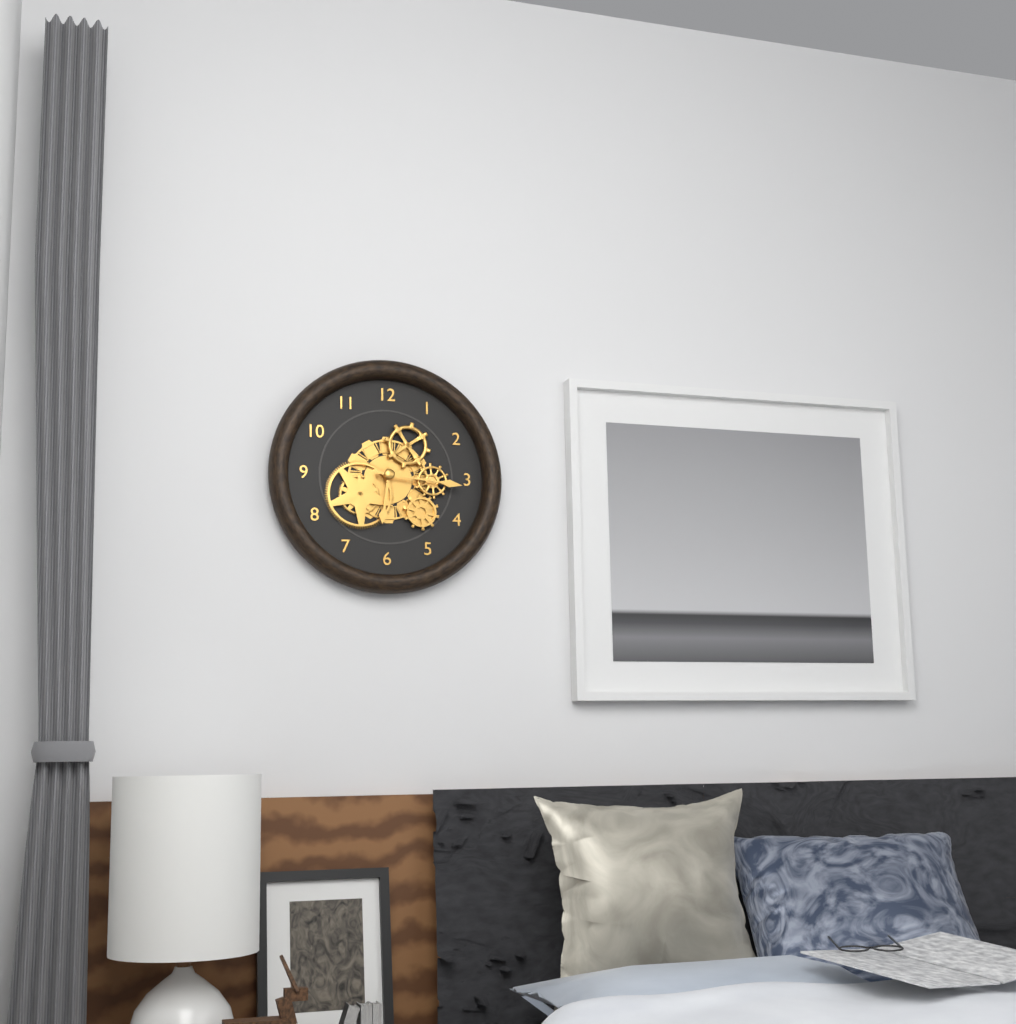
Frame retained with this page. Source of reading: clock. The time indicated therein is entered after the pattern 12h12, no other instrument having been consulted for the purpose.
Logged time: 6h16
